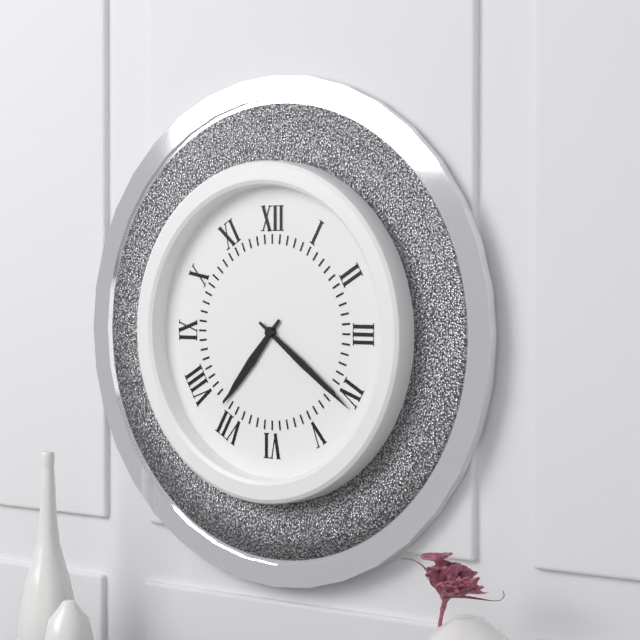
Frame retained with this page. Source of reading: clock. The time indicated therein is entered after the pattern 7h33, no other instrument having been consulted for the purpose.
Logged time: 7h21
